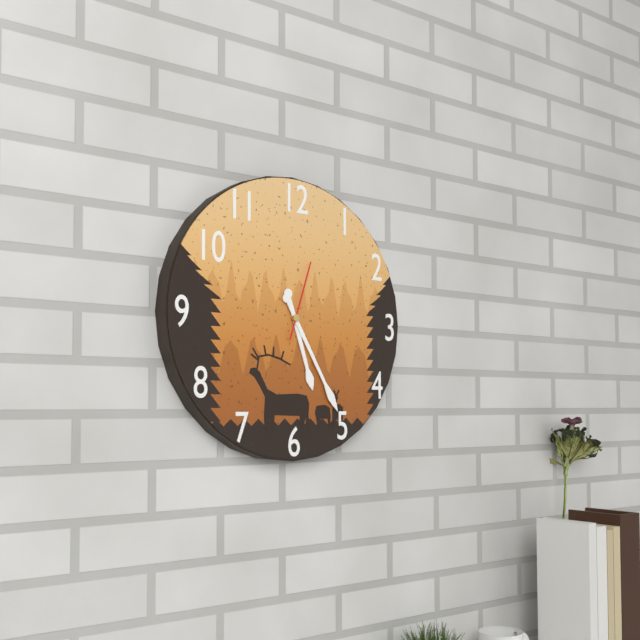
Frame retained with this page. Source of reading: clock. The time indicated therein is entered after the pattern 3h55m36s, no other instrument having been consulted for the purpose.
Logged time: 5h25m03s
